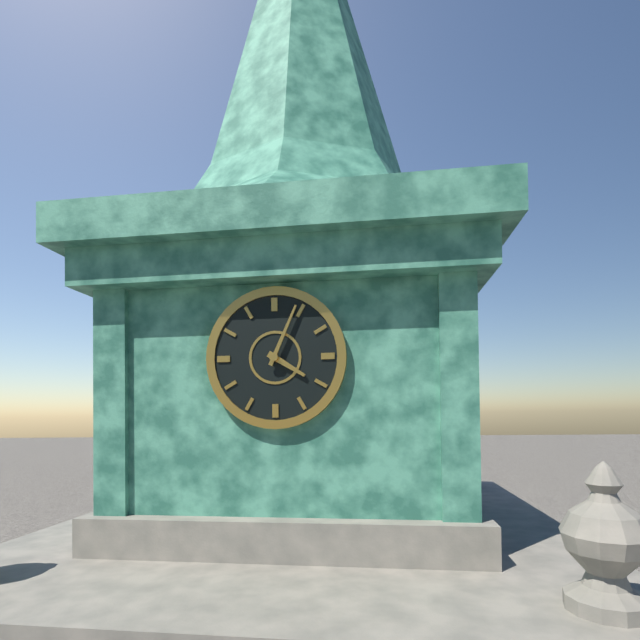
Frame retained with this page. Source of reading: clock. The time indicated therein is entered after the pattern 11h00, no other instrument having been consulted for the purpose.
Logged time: 4h04
